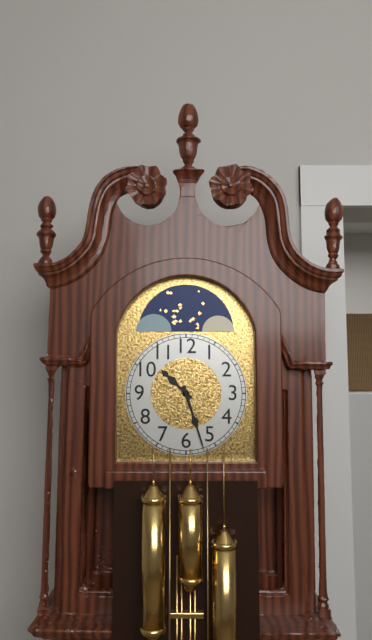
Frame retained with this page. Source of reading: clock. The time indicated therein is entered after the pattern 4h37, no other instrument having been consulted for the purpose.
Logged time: 10h27
